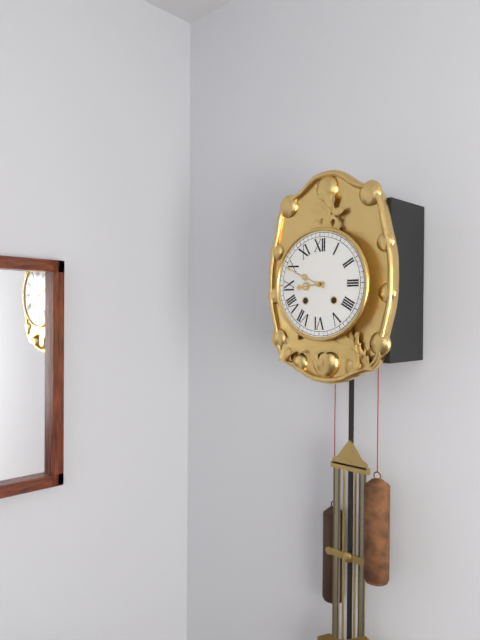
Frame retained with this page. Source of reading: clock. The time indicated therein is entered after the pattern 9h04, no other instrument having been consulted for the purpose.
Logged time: 8h49
